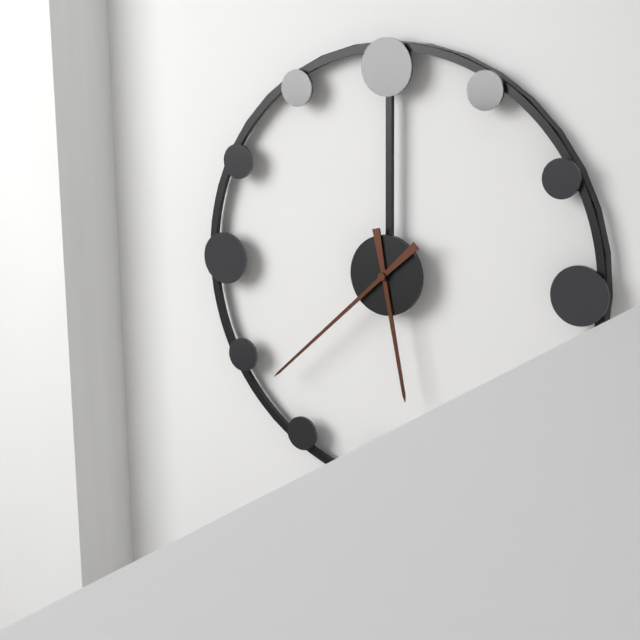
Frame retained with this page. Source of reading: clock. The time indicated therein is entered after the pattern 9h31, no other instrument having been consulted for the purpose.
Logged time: 5h38
